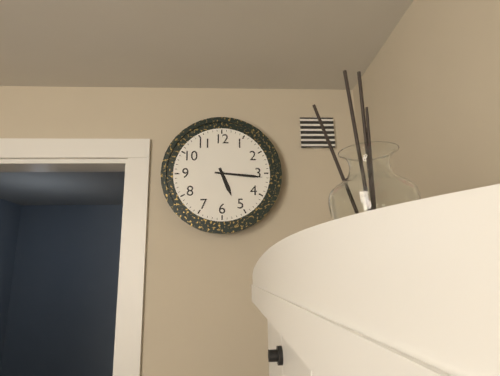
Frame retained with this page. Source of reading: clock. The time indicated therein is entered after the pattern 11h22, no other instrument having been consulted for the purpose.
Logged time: 5h16
